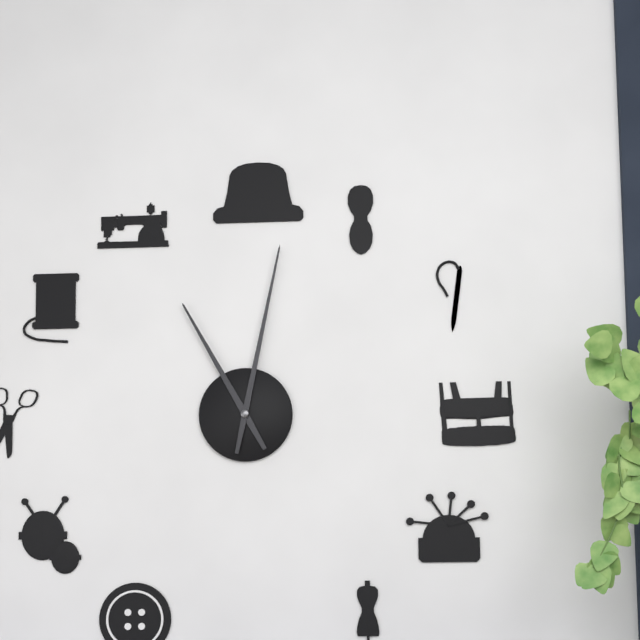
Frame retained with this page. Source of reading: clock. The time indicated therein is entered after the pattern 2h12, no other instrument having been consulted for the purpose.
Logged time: 11h02
